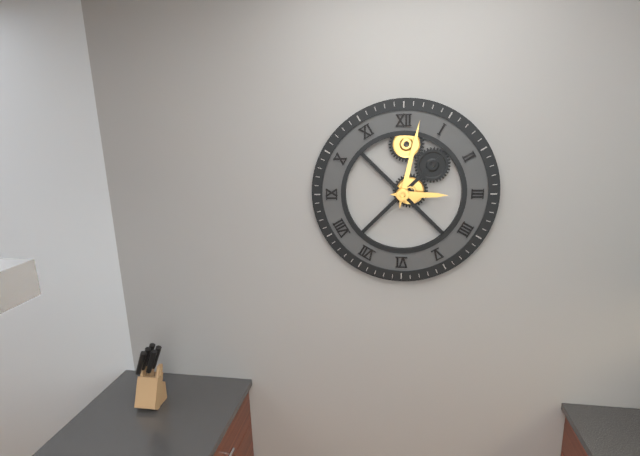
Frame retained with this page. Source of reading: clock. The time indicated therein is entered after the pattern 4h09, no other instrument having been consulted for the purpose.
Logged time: 3h02
